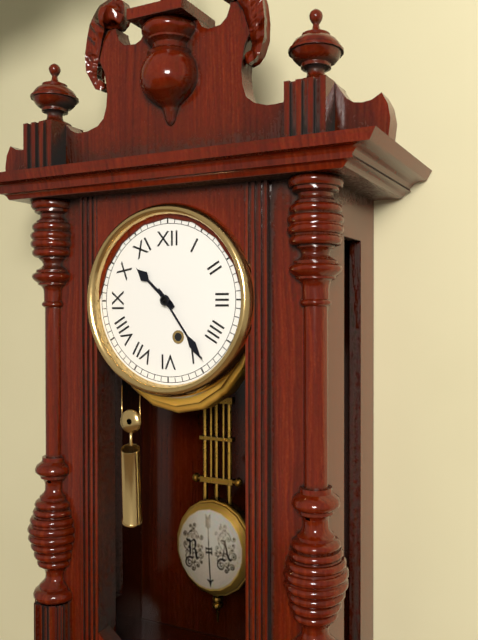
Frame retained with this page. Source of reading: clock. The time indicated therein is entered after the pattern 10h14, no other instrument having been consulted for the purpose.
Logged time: 10h24
